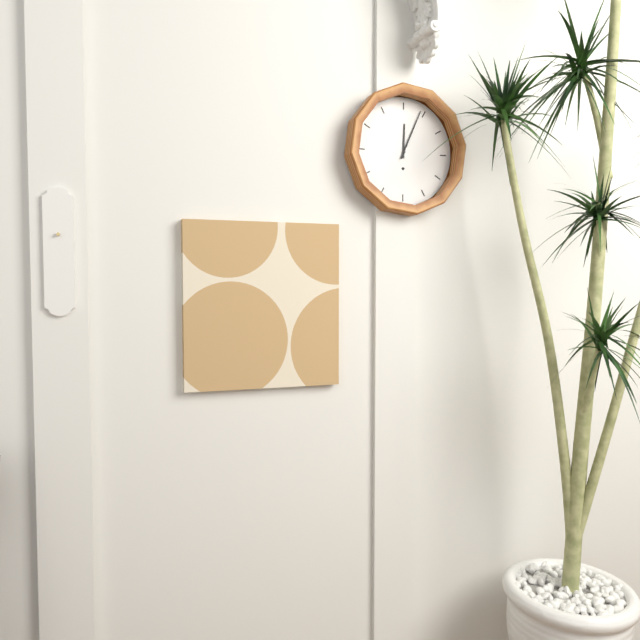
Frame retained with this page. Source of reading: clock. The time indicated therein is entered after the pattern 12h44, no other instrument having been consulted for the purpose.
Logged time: 12h04
